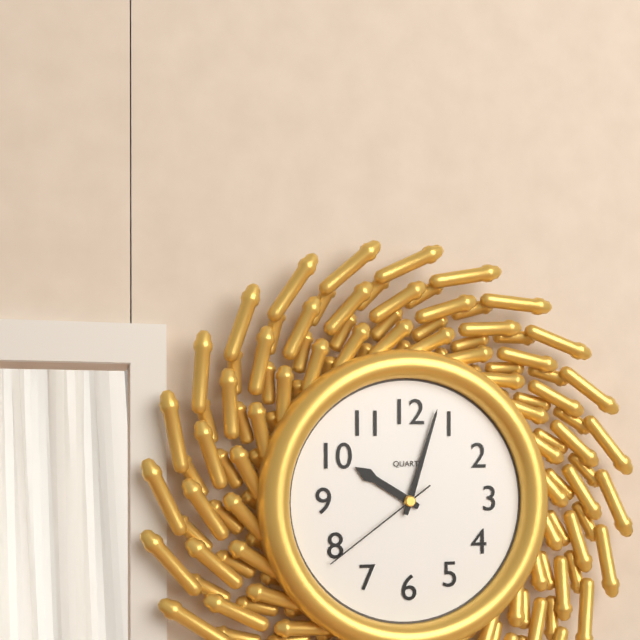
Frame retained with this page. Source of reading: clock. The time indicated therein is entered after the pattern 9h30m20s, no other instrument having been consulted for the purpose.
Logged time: 10h03m39s
